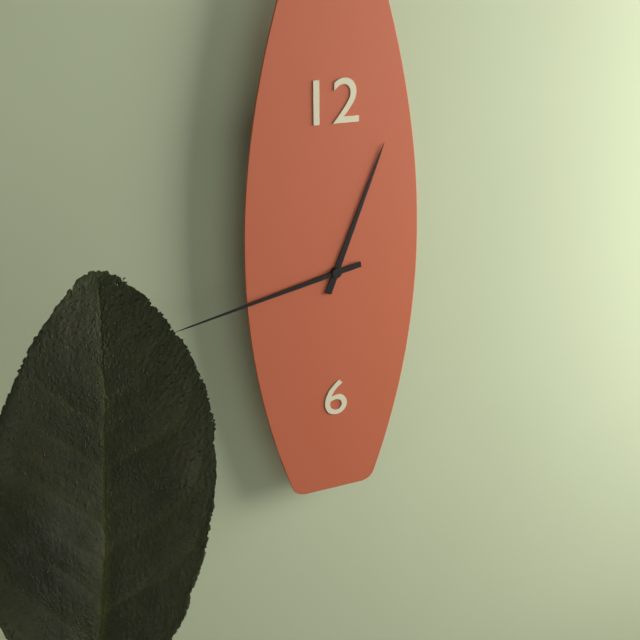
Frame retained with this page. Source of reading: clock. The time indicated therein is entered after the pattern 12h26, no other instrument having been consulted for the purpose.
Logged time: 12h43
